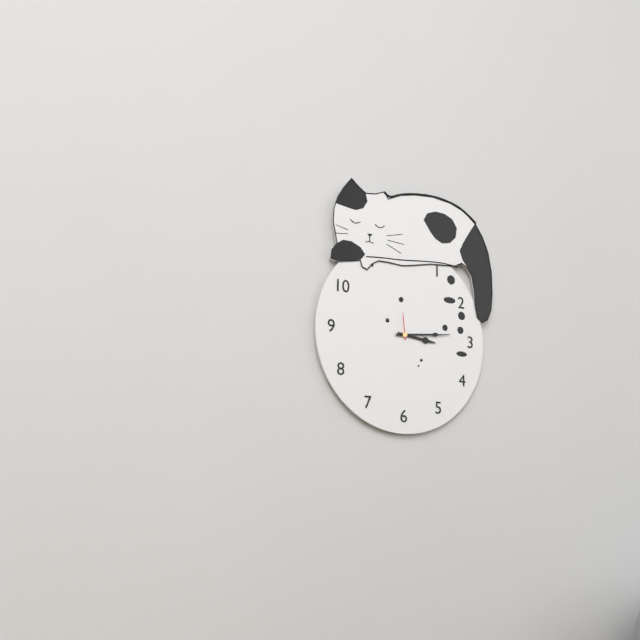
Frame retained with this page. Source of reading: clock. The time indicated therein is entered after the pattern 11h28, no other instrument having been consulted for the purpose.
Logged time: 3h14
